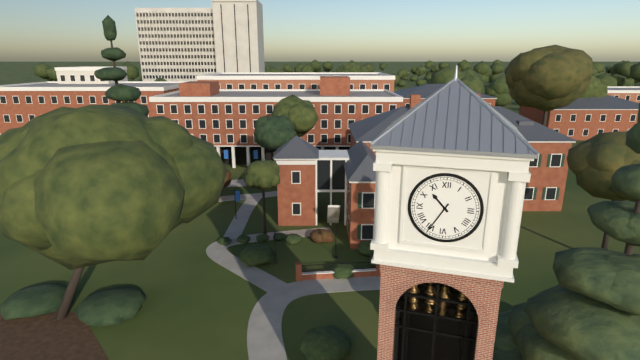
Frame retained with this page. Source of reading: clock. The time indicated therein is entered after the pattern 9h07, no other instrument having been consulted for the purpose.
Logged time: 10h35
